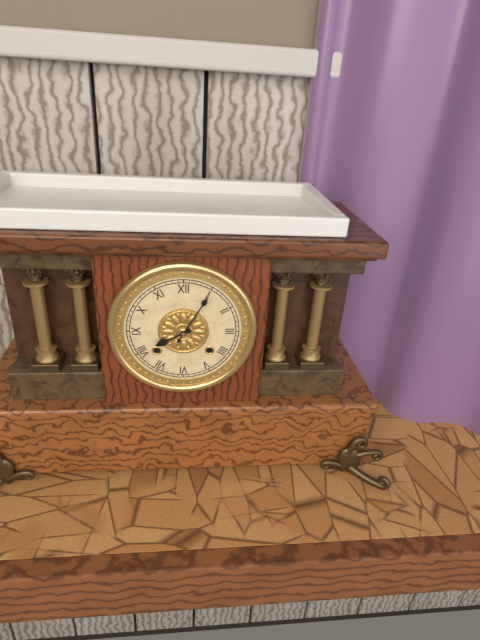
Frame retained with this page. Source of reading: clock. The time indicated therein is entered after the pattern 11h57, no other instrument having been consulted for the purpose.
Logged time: 8h05
